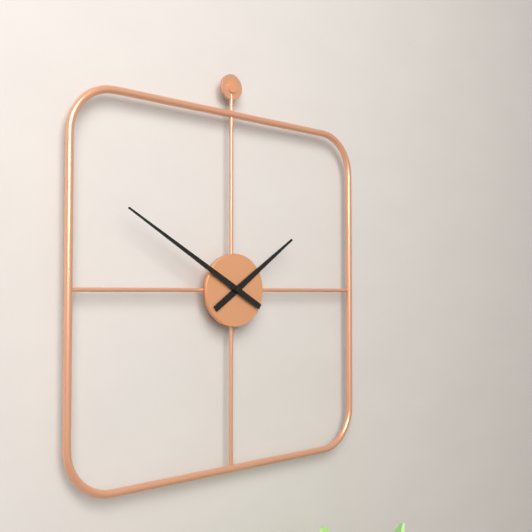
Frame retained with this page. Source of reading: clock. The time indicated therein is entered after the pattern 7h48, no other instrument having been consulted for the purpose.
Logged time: 1h50
